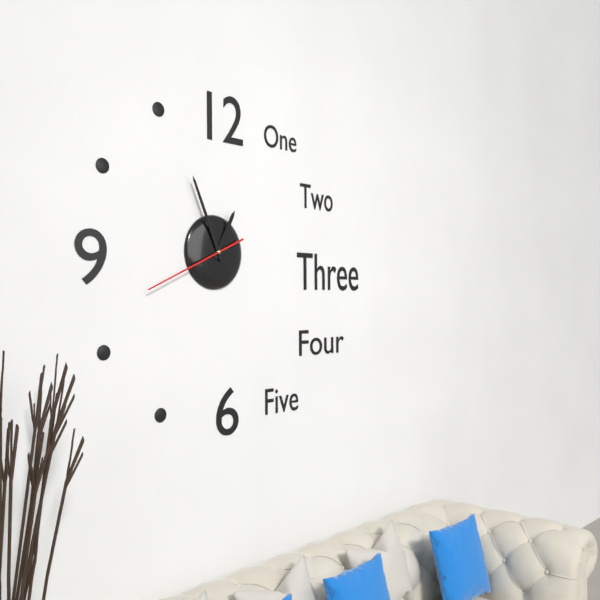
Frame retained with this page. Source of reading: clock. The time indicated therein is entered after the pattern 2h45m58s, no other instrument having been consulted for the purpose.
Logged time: 12h56m41s
